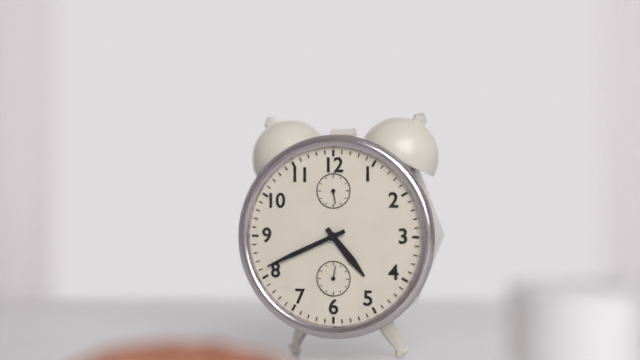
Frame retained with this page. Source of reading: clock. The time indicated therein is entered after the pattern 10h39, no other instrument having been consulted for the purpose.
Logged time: 4h41
